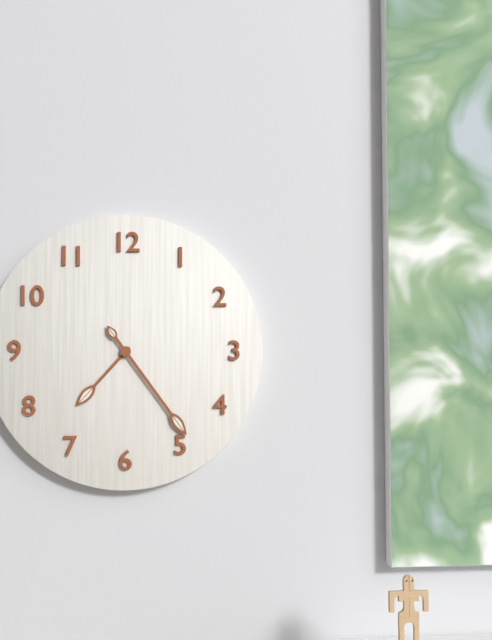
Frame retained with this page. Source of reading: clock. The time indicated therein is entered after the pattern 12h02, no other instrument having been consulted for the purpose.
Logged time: 7h24
